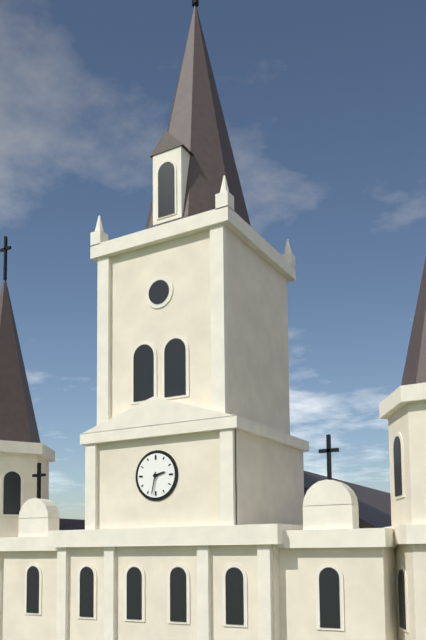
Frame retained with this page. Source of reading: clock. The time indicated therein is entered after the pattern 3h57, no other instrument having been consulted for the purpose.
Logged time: 2h32
